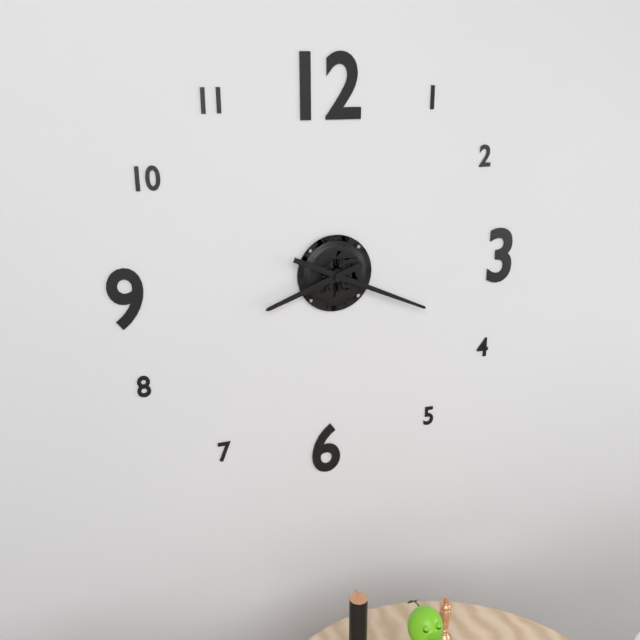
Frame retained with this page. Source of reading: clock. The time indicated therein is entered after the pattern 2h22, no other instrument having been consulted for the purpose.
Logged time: 8h19
